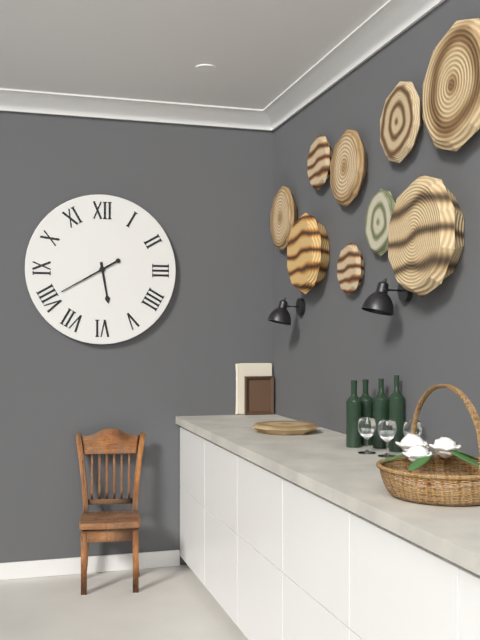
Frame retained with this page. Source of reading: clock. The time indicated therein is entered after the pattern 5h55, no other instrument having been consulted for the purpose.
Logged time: 5h40
